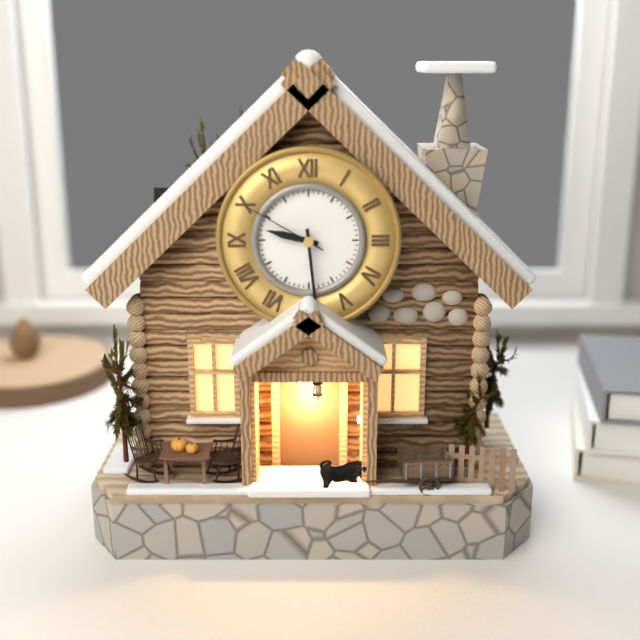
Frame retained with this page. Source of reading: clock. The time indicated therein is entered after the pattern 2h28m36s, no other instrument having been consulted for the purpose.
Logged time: 9h29m50s
